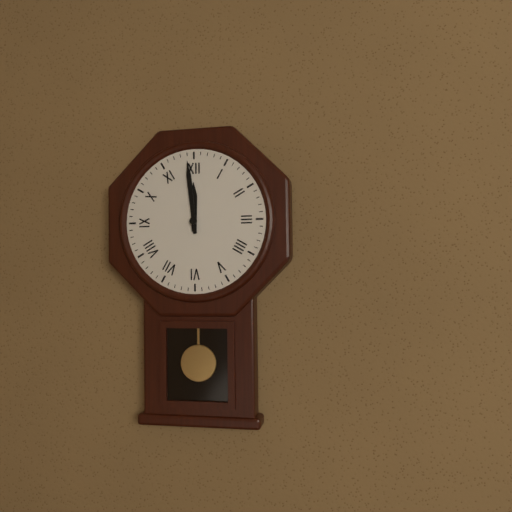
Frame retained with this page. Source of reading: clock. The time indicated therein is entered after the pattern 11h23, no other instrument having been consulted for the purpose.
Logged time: 11h59
